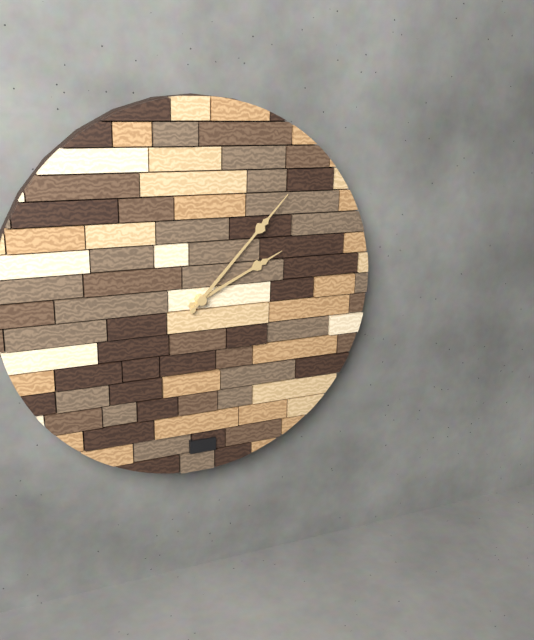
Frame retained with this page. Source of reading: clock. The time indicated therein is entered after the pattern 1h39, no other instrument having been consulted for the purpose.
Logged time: 2h07
